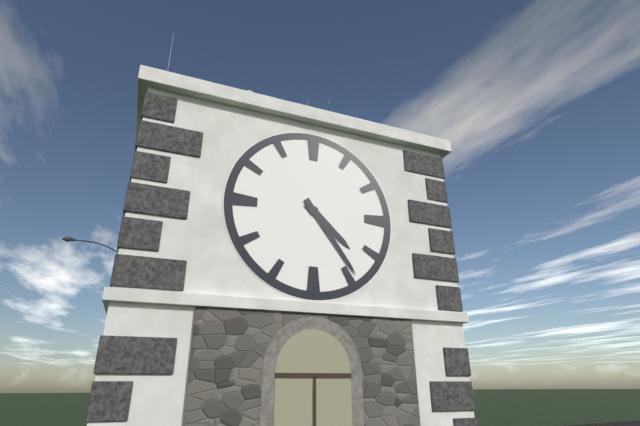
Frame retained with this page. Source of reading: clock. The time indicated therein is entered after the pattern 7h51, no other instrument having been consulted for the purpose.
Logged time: 4h24
